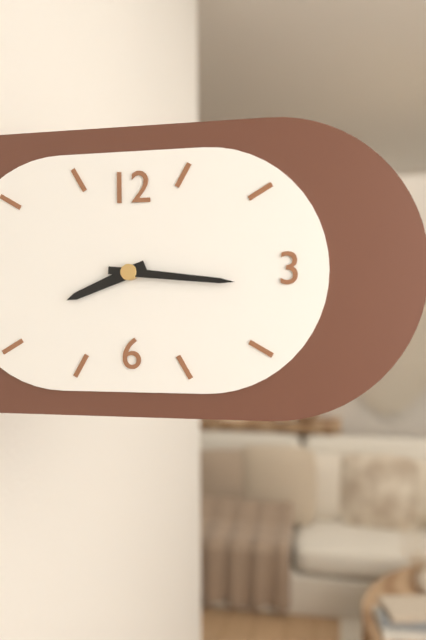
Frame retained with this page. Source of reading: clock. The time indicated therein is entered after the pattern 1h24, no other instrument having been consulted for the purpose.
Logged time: 8h16
